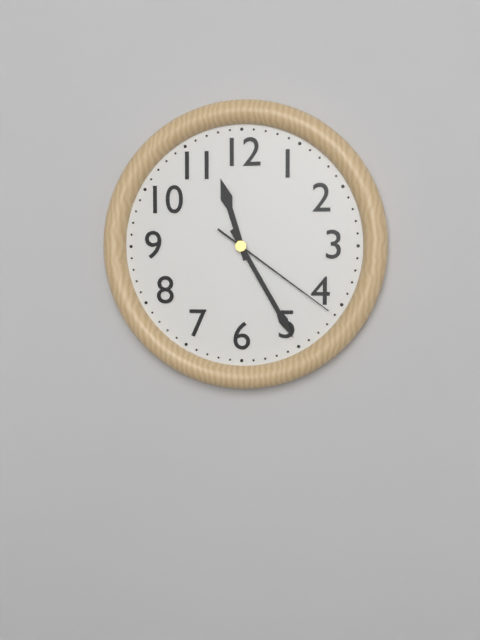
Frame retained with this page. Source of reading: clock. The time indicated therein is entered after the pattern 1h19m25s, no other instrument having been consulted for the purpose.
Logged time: 11h25m21s
